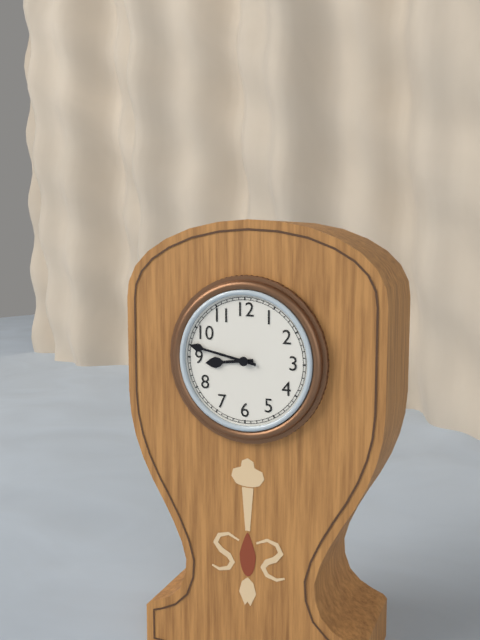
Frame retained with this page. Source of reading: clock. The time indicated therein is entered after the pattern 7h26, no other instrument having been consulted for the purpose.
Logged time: 8h47
